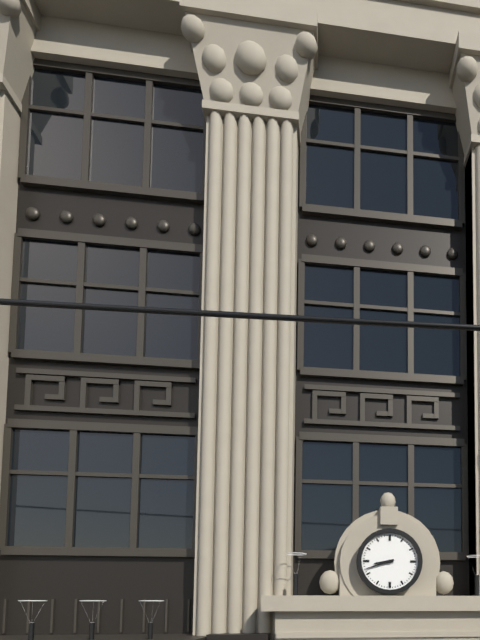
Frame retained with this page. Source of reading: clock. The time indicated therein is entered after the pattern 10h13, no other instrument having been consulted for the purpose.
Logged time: 8h42
